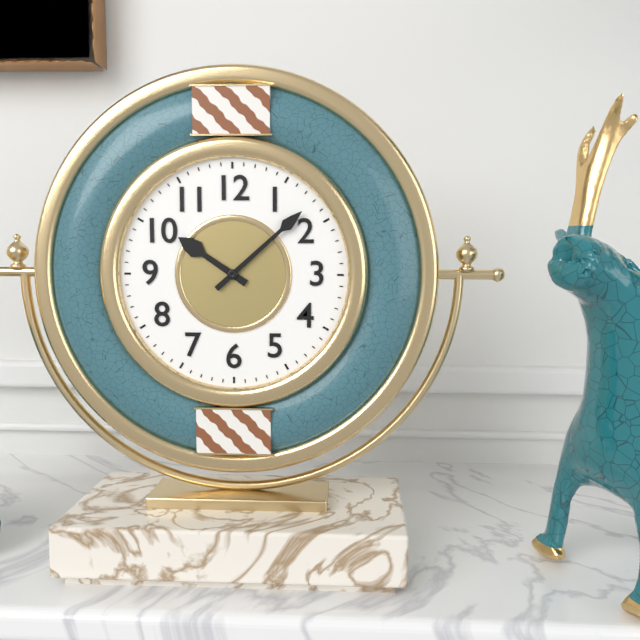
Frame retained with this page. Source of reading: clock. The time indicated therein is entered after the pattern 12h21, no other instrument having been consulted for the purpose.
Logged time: 10h08
